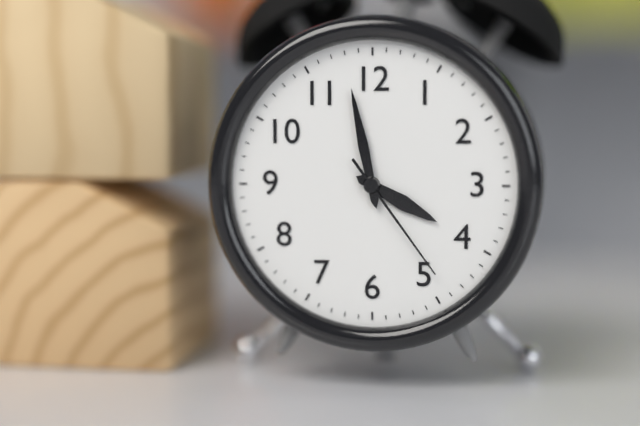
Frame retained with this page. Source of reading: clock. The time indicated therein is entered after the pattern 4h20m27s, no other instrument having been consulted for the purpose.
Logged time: 3h58m24s
